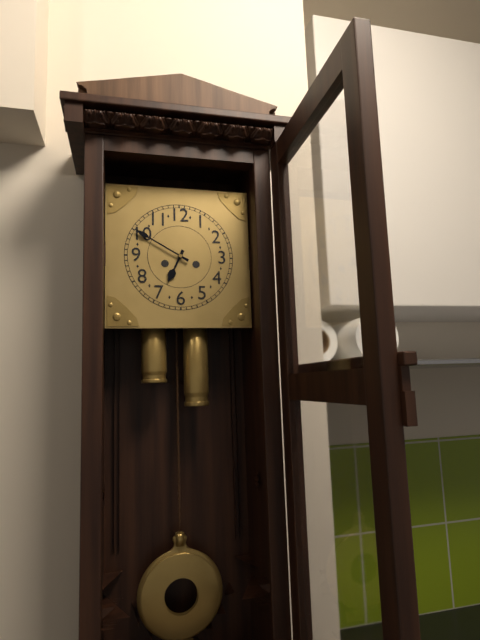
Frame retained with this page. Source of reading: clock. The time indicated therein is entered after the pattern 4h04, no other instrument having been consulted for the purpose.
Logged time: 6h50
